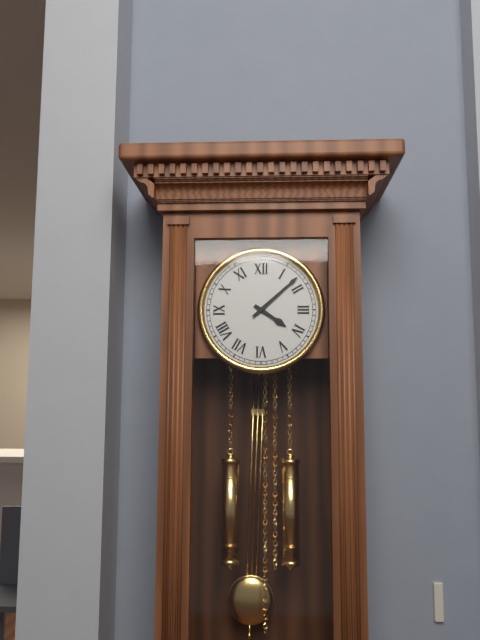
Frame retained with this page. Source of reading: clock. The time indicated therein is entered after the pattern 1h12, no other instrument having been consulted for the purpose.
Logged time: 4h08
